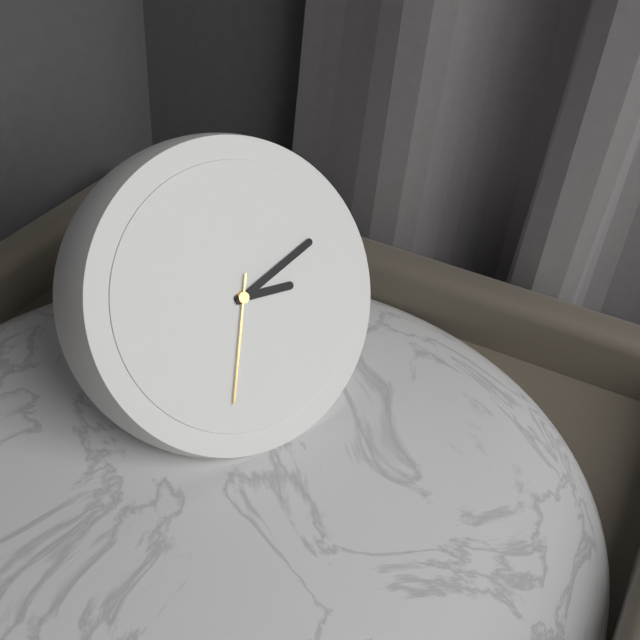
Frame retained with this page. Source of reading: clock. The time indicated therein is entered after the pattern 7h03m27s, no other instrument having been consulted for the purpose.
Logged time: 3h12m34s
